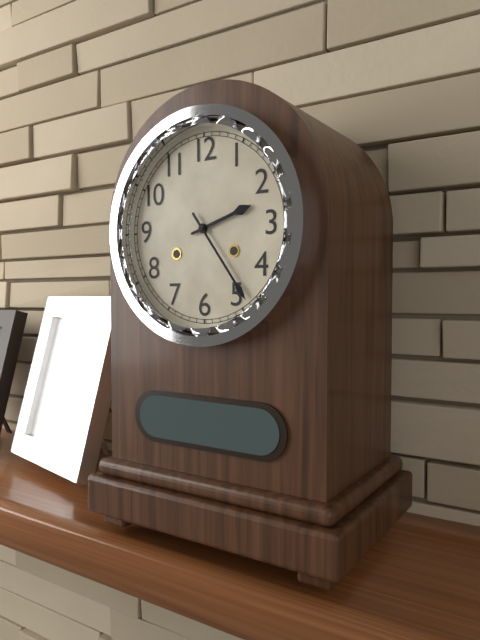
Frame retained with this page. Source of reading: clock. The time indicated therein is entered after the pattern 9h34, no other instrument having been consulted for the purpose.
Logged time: 2h24
